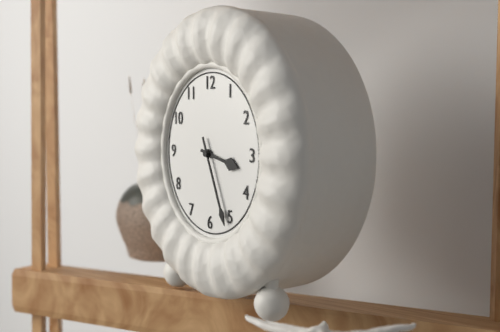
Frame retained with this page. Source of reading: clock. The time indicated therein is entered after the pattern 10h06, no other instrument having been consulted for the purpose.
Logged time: 3h26
